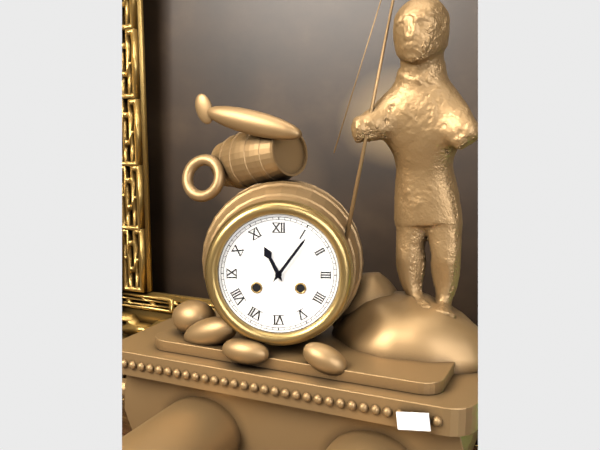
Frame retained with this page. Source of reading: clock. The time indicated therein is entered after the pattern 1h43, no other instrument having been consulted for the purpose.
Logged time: 11h06
